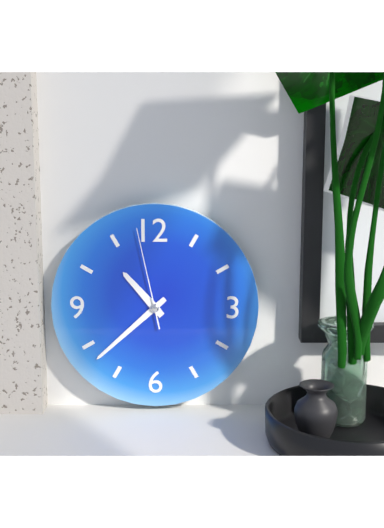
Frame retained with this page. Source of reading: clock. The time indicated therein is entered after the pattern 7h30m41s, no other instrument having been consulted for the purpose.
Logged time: 10h38m58s
